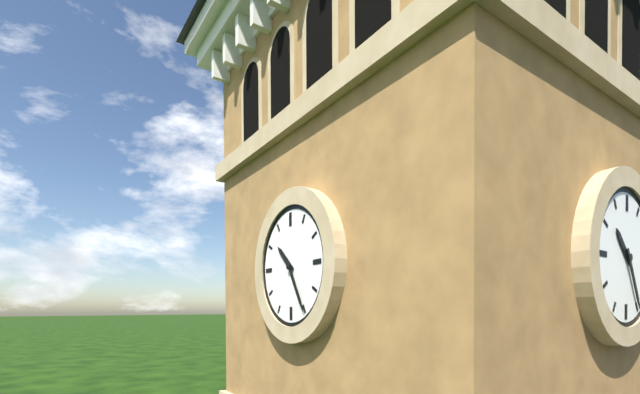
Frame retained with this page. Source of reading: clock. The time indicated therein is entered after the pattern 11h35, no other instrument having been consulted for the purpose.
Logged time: 10h25
